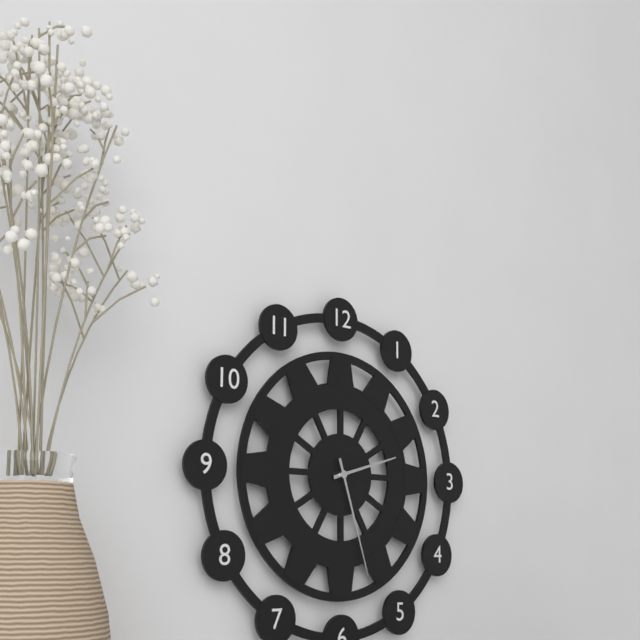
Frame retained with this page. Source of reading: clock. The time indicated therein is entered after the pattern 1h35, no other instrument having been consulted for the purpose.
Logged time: 2h27
